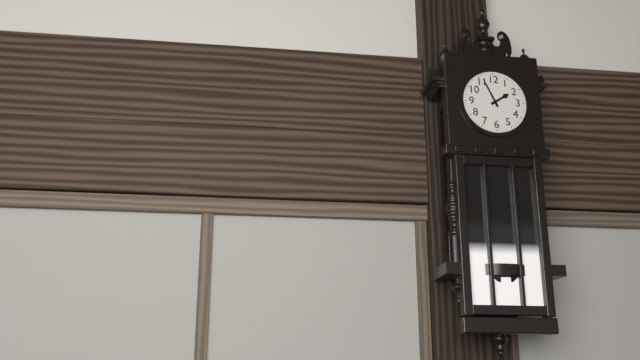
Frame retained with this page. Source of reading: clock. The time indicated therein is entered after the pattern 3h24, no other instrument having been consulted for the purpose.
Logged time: 1h56
